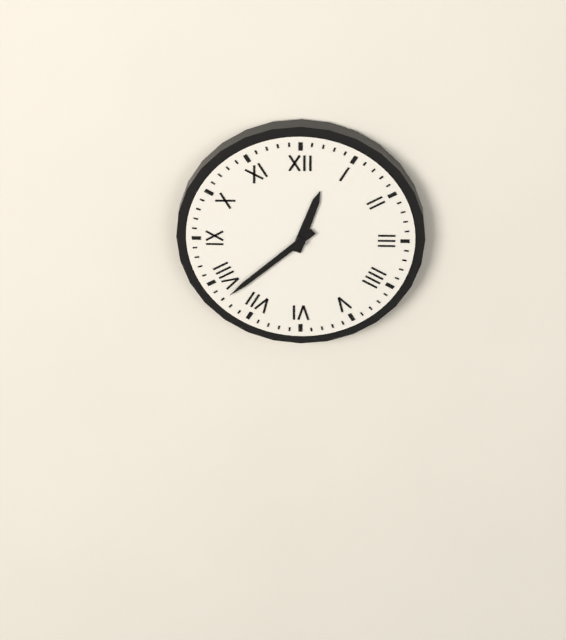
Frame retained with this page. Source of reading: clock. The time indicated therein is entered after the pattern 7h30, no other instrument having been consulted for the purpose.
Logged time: 12h38
